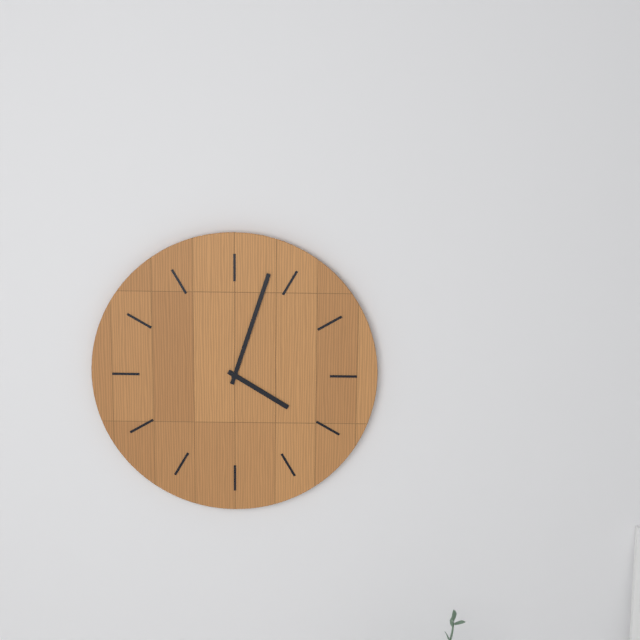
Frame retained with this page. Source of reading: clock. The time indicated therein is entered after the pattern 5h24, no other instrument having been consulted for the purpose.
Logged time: 4h03
